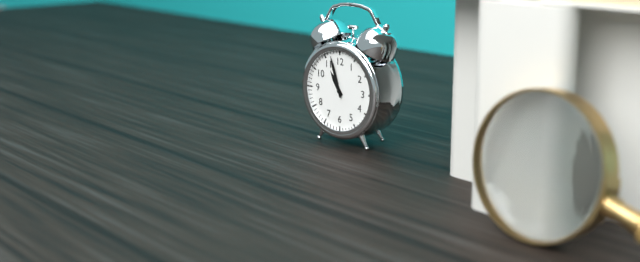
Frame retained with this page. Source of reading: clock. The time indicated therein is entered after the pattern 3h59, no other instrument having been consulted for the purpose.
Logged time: 10h57
